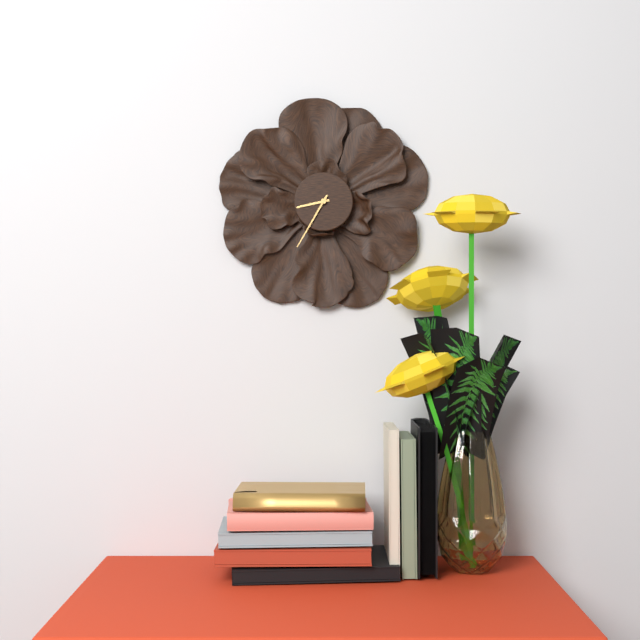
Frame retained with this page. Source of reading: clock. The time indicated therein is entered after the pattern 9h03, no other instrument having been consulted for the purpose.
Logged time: 8h35
